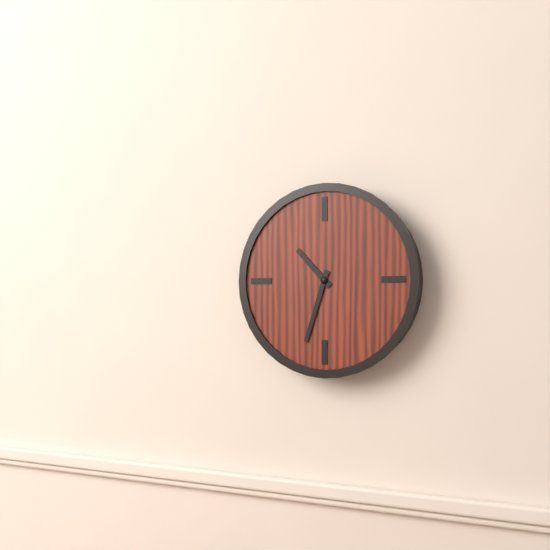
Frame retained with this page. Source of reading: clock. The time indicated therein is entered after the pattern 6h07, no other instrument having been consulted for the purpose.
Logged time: 10h33
